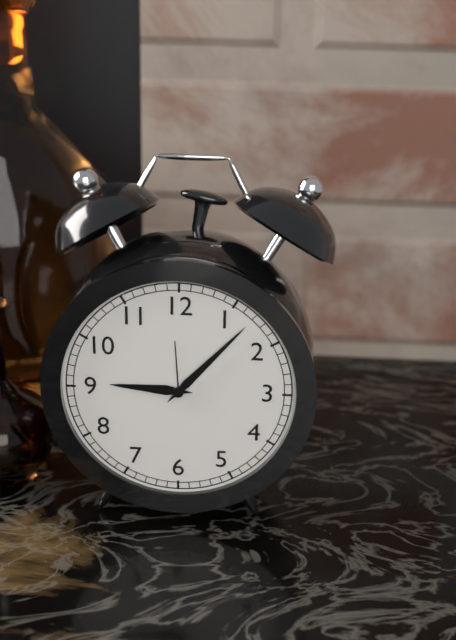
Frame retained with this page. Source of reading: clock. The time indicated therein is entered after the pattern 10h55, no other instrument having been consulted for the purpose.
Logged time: 9h07
